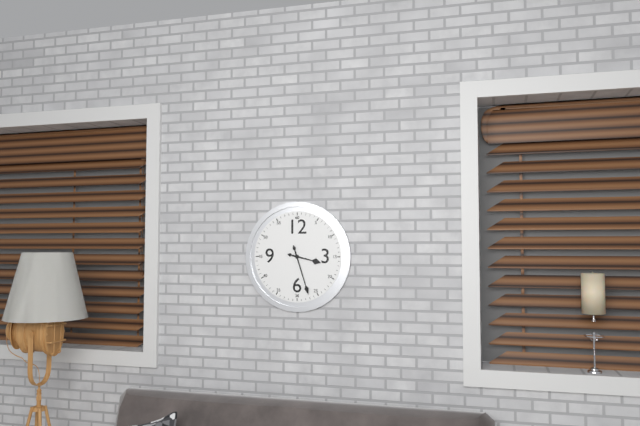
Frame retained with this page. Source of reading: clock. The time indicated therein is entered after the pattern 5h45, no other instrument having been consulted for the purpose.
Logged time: 3h27
